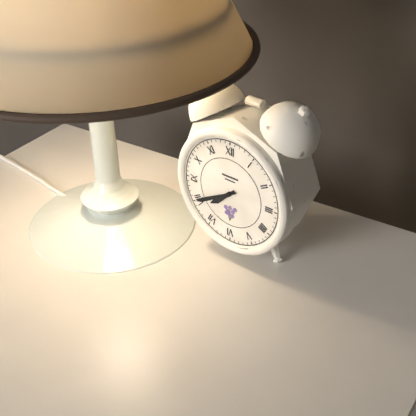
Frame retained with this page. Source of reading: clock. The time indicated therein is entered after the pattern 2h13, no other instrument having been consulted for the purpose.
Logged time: 7h40
